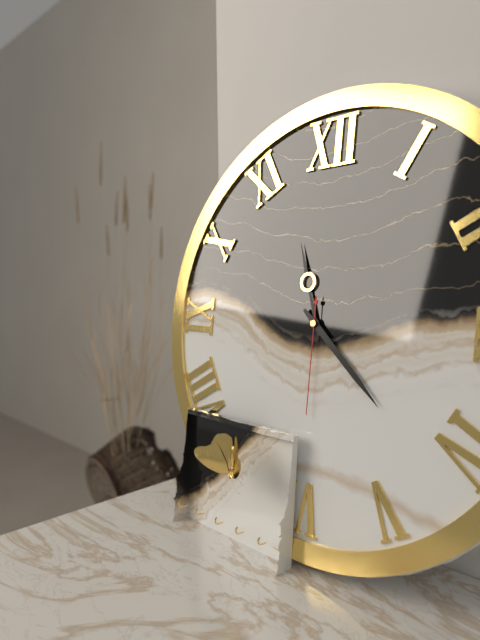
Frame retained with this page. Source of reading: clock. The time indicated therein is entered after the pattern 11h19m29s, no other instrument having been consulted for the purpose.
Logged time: 11h22m30s
